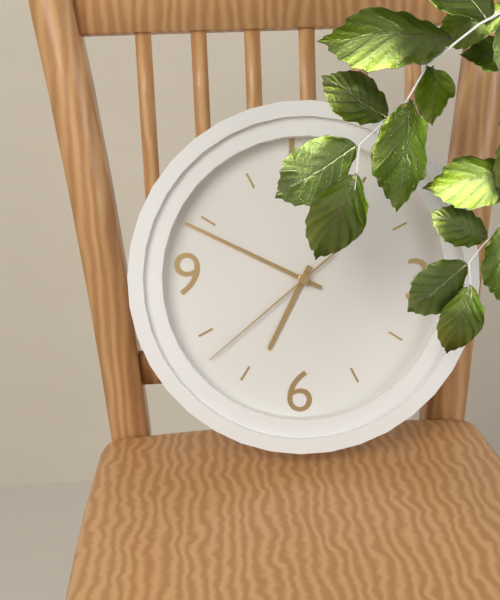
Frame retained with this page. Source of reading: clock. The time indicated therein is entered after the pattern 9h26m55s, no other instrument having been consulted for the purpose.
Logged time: 6h49m38s
